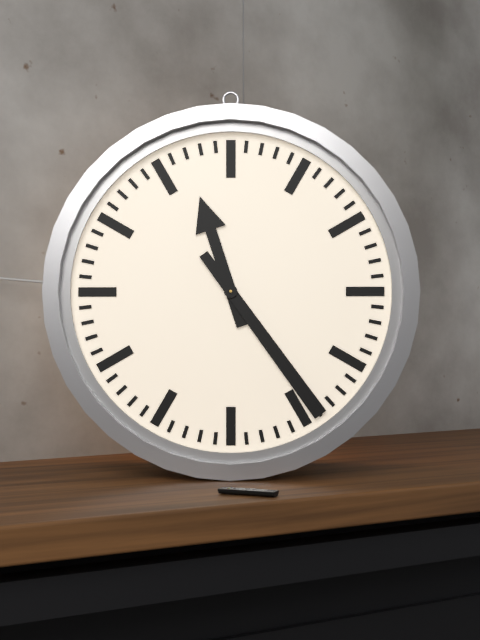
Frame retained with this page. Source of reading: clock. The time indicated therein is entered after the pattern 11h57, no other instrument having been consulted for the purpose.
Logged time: 11h24
